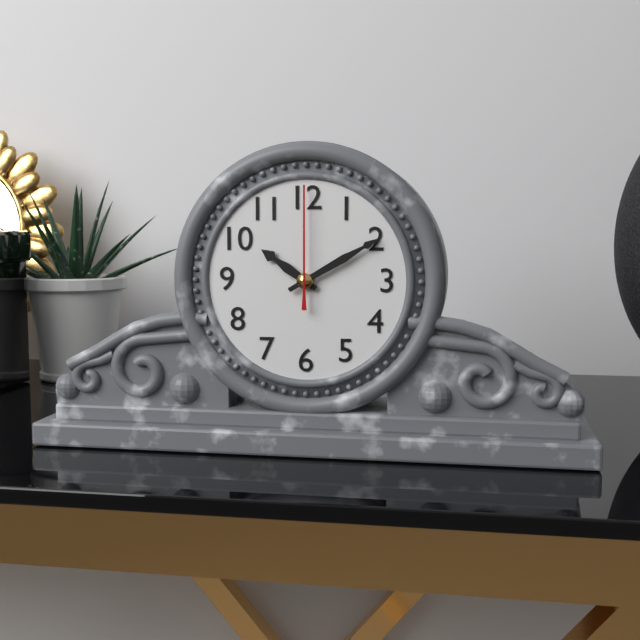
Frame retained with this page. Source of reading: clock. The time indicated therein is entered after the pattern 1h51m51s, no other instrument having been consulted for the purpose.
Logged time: 10h10m00s
